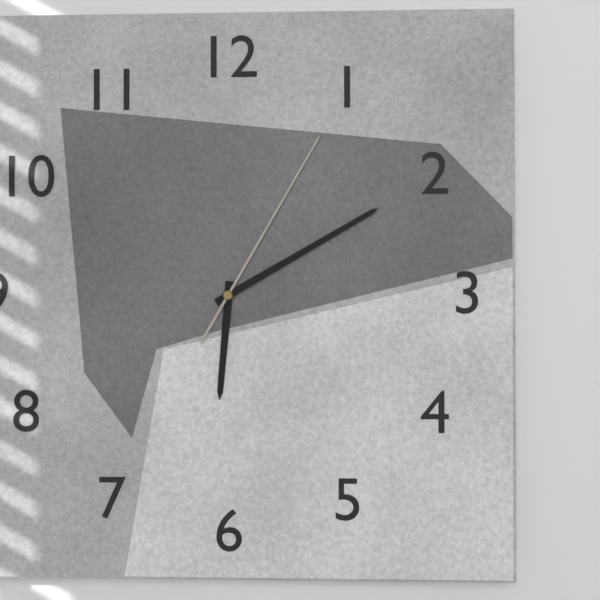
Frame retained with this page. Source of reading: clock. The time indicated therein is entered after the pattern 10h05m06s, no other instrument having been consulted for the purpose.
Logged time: 6h10m05s
